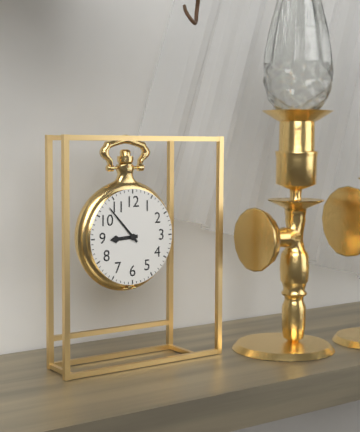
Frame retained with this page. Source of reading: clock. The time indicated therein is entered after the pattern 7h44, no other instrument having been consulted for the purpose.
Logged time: 8h53
